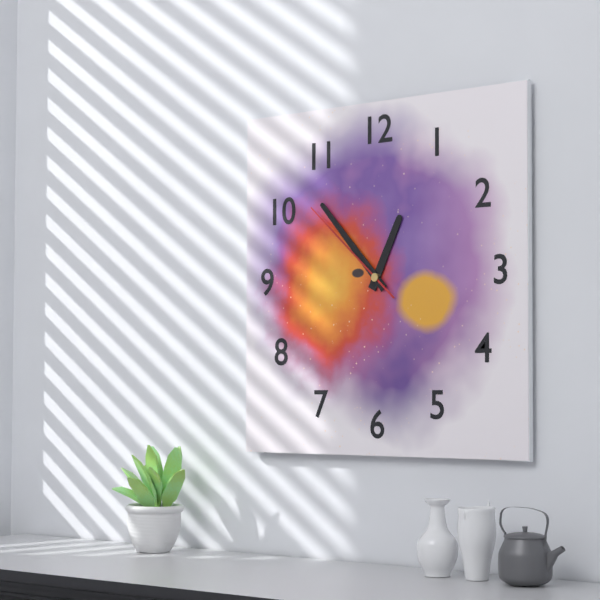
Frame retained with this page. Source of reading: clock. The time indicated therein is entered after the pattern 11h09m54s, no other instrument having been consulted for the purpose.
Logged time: 12h53m52s
